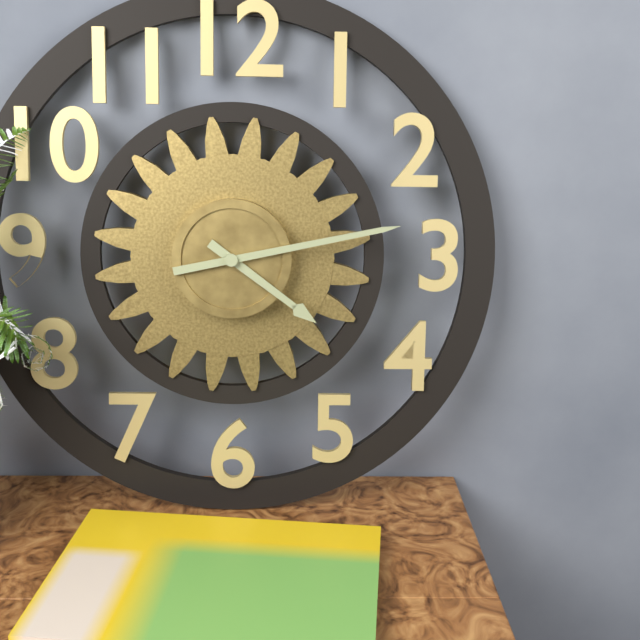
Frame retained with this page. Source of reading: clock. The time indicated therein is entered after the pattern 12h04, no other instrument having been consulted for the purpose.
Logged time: 4h13
